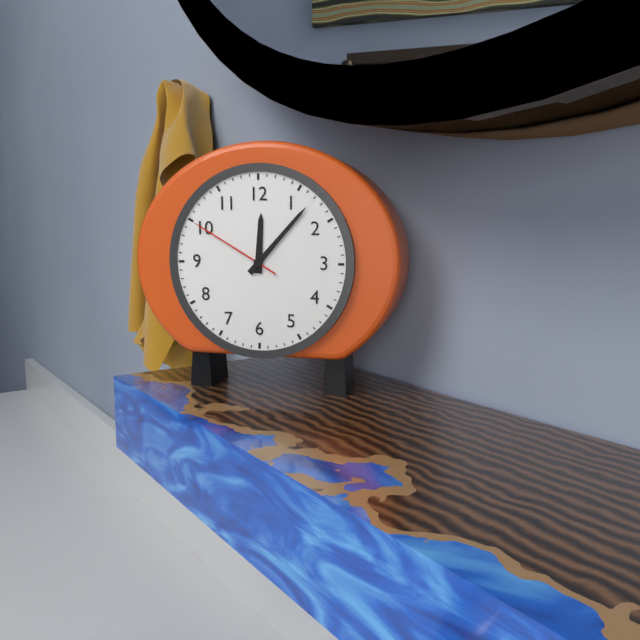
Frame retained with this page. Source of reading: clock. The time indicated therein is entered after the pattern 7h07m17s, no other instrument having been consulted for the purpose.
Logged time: 12h07m50s
